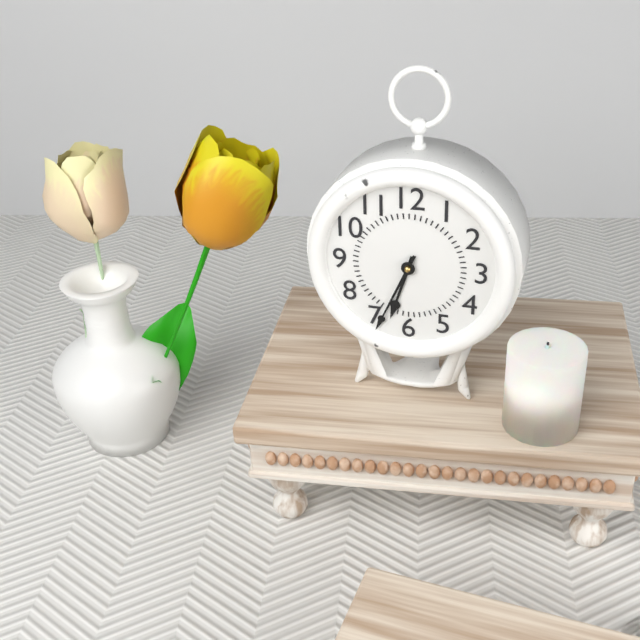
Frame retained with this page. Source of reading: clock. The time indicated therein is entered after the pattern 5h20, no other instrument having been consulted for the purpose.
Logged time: 6h34
